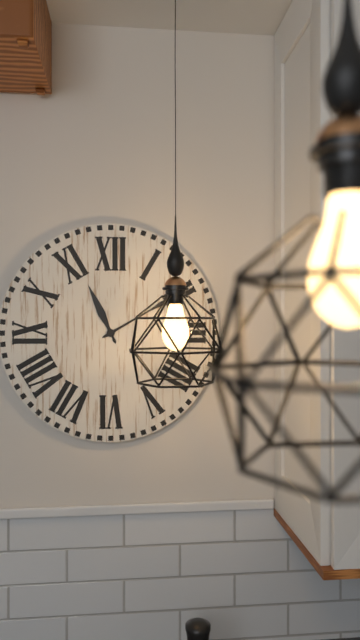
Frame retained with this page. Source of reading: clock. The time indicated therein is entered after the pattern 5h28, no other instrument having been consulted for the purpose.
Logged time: 11h10
